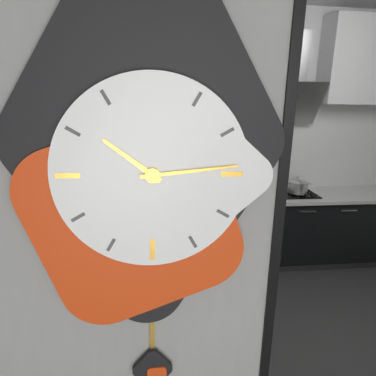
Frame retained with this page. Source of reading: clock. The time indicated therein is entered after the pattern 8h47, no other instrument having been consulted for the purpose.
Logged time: 10h14
